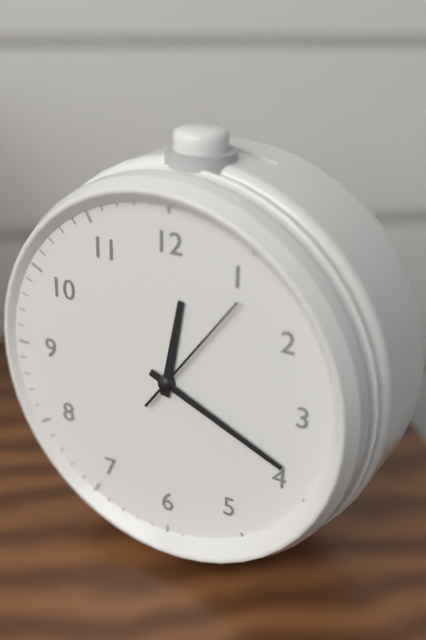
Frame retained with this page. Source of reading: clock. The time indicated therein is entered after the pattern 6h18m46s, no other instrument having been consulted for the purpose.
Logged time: 12h19m06s
